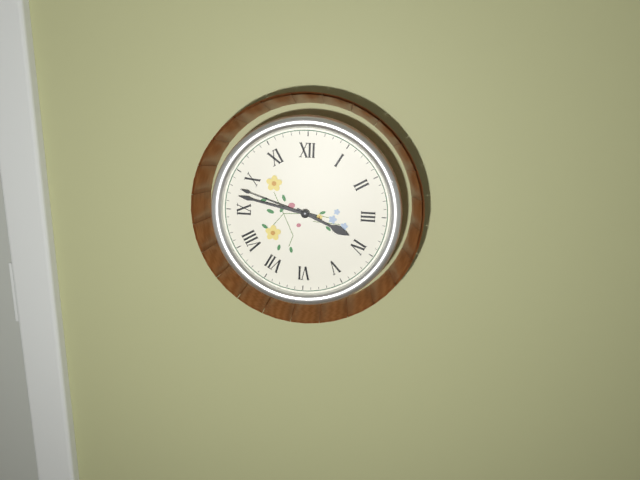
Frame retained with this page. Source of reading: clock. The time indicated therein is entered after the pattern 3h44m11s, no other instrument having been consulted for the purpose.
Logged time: 3h47m48s
